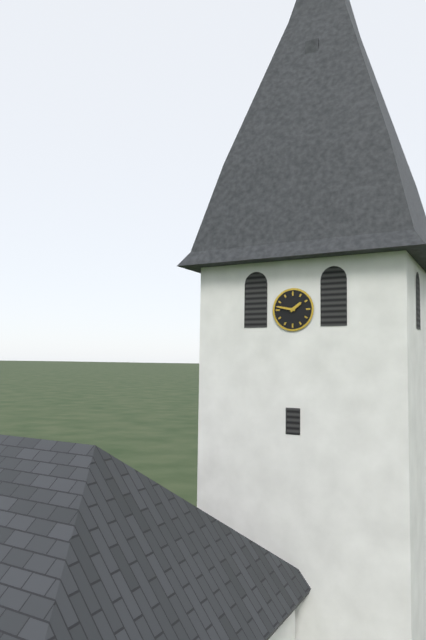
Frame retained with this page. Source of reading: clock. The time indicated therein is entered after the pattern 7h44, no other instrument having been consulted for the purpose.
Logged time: 1h47
